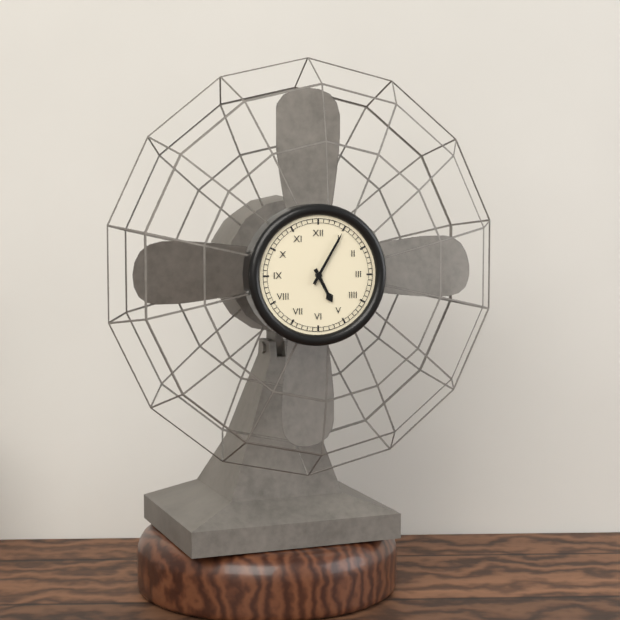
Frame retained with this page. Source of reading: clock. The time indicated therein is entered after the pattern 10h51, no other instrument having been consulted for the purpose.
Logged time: 5h05
